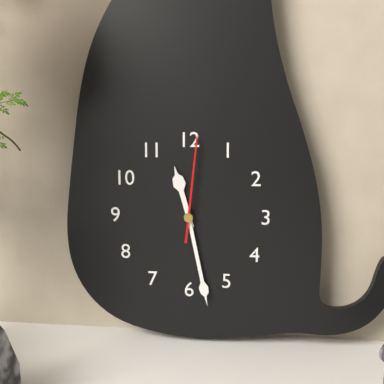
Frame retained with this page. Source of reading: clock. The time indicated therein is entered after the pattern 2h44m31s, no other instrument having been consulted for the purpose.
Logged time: 11h28m01s
